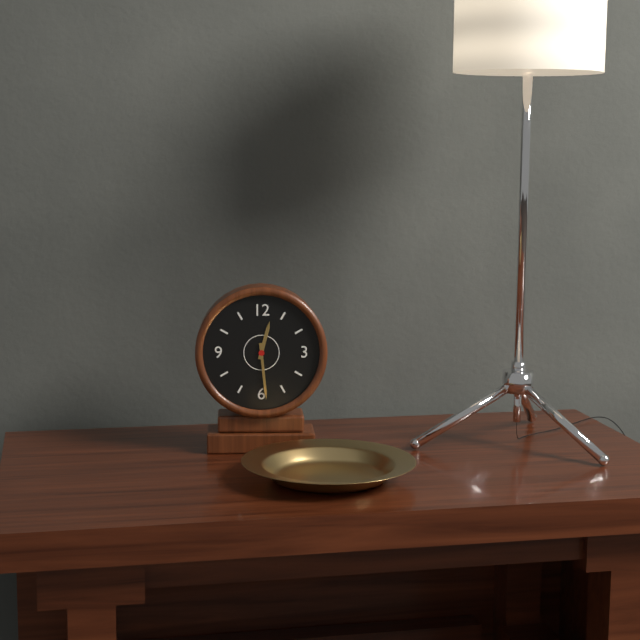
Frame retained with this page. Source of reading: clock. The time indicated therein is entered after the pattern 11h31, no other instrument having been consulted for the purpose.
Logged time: 12h29
